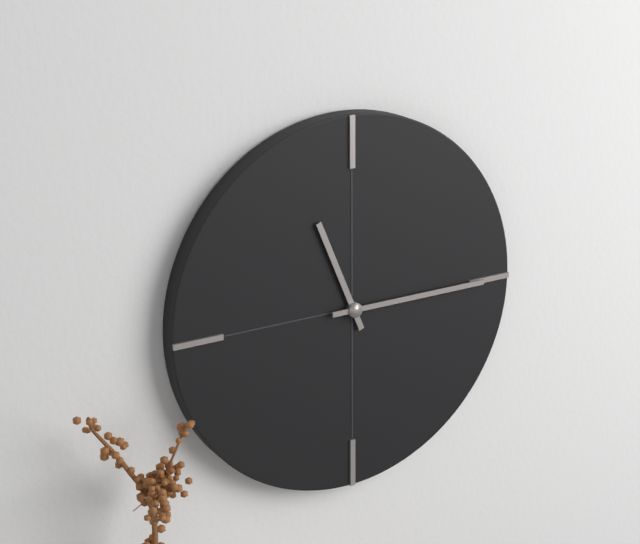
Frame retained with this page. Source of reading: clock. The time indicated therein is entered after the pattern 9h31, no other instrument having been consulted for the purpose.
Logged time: 11h15
